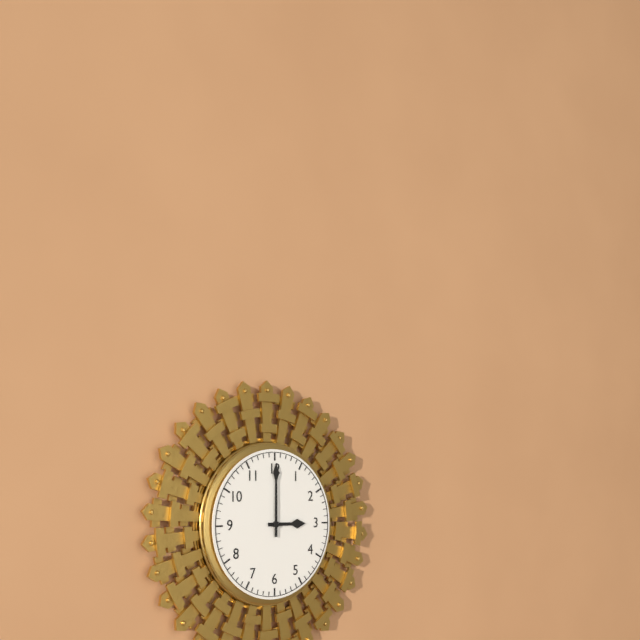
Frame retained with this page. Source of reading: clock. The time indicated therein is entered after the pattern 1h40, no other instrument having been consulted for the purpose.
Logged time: 3h00
